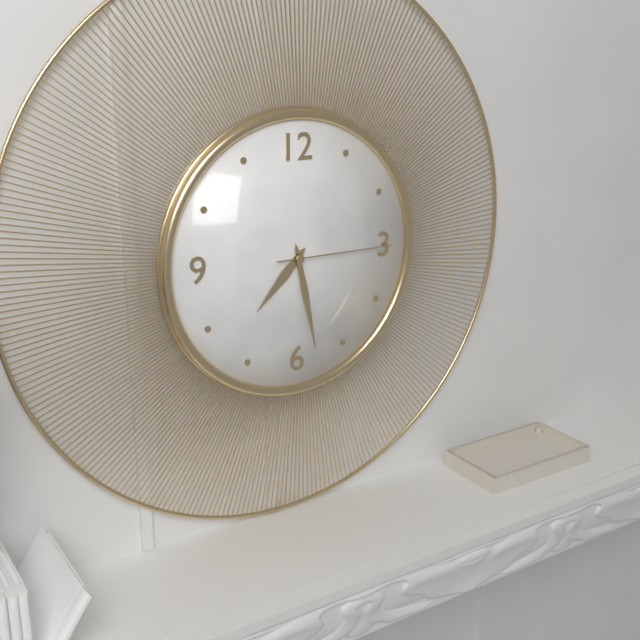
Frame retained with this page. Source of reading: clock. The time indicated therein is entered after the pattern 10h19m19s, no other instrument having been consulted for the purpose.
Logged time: 7h28m15s
